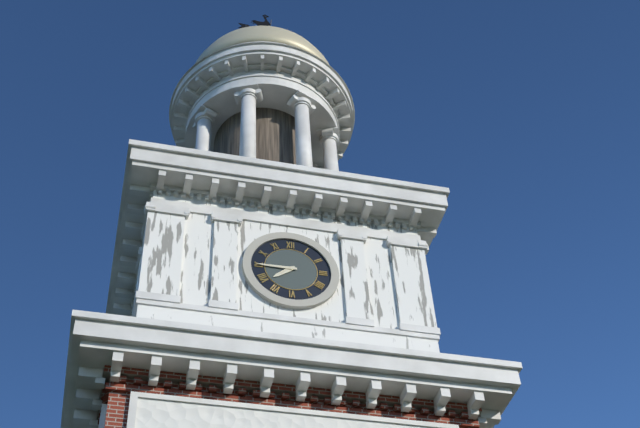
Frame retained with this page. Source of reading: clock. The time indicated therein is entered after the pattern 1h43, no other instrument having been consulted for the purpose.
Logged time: 7h45
